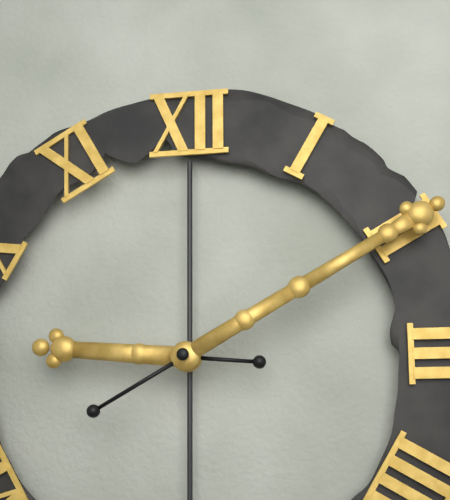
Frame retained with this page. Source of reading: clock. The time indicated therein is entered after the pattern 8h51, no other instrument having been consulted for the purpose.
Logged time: 9h10
